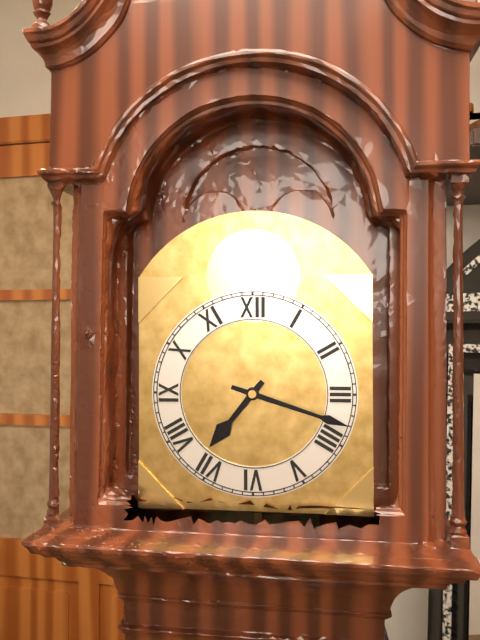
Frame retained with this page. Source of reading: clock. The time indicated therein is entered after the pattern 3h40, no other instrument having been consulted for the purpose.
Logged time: 7h18
